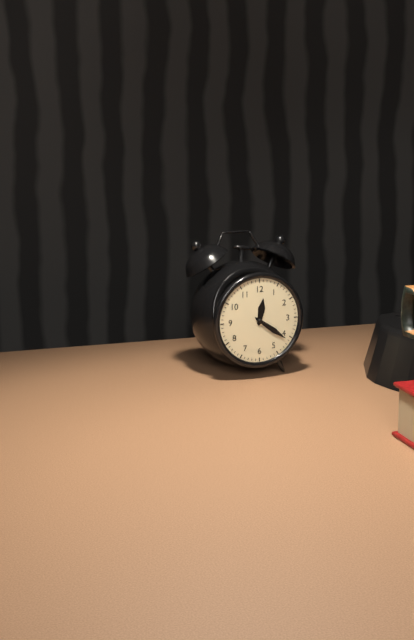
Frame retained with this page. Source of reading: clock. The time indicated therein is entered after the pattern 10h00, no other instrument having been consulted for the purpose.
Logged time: 12h21
